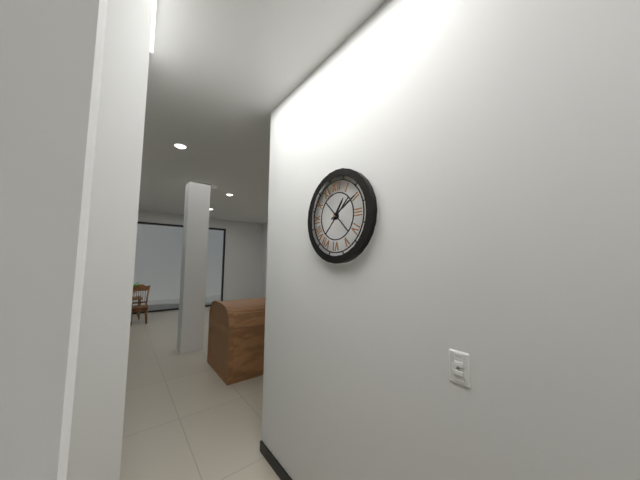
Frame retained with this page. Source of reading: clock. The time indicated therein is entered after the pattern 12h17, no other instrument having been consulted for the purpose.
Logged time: 1h10
